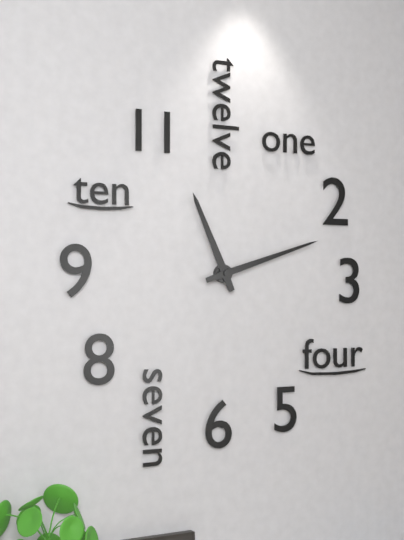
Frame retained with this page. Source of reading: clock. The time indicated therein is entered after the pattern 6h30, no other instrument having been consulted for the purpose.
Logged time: 11h12
